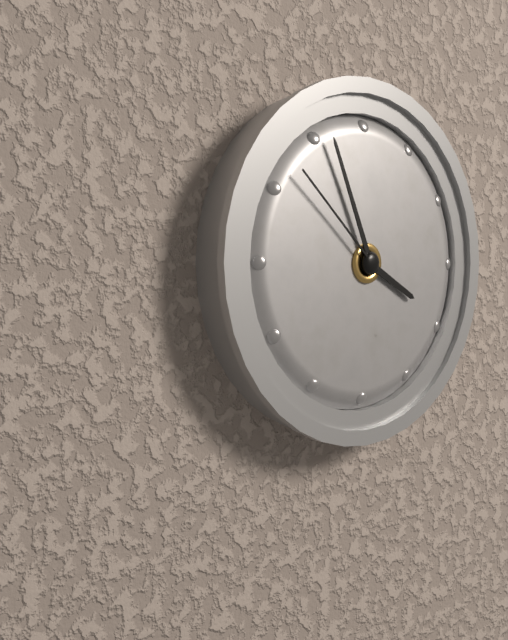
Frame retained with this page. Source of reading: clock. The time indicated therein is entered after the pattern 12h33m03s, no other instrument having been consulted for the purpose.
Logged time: 3h56m52s
